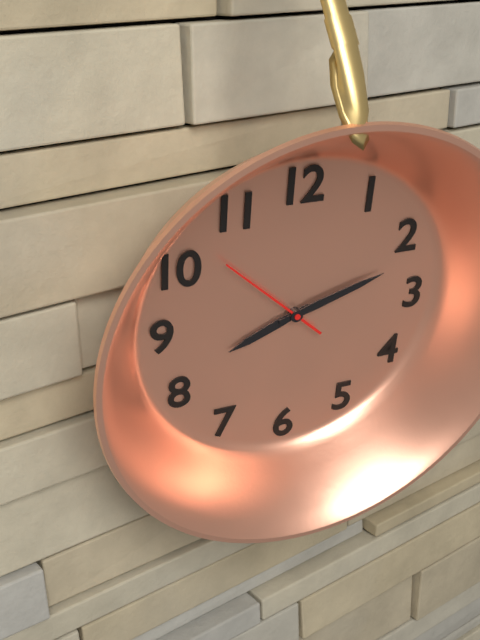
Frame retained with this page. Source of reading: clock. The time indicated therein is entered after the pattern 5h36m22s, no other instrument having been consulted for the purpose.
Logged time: 8h12m52s
